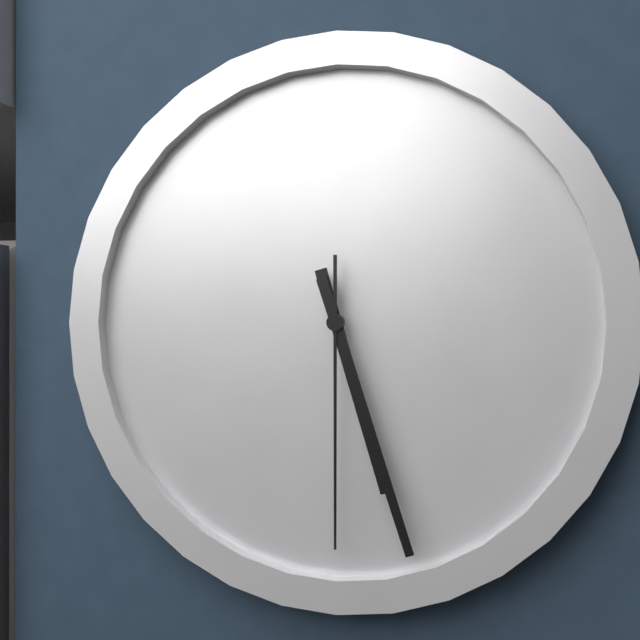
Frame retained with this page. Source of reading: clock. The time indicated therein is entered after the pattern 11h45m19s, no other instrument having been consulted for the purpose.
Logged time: 5h27m30s
